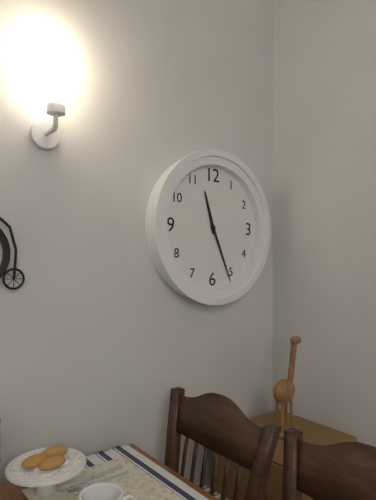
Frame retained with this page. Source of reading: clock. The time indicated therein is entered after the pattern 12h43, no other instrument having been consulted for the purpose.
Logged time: 11h26
